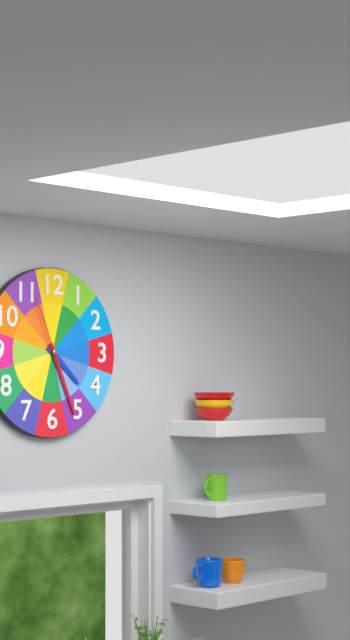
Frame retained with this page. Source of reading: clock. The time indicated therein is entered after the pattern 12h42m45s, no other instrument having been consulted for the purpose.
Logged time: 4h26m56s
